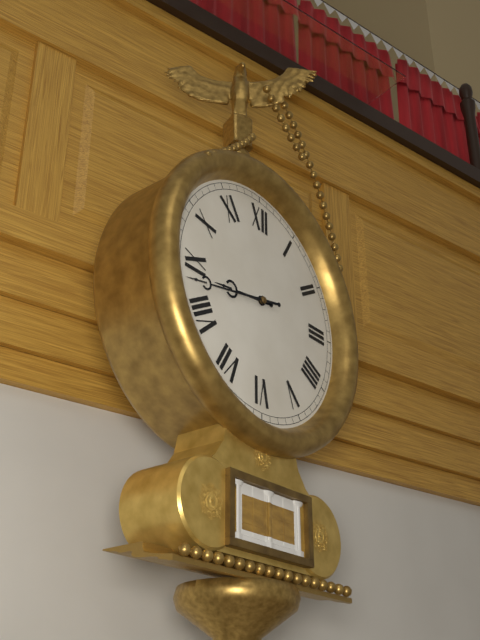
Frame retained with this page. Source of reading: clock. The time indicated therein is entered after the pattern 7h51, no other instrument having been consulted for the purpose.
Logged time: 8h43
